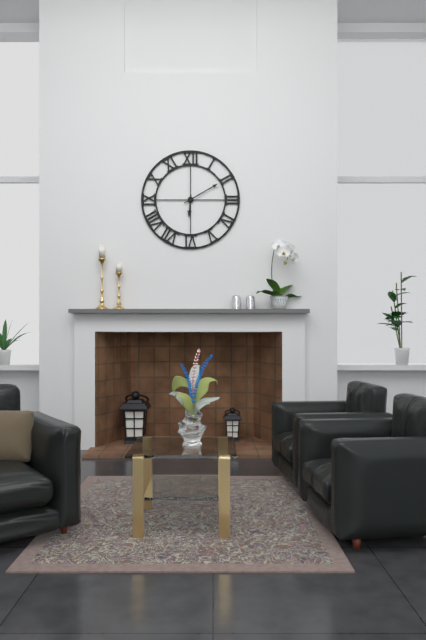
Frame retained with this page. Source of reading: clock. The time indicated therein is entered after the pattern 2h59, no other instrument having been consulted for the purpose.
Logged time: 6h10
